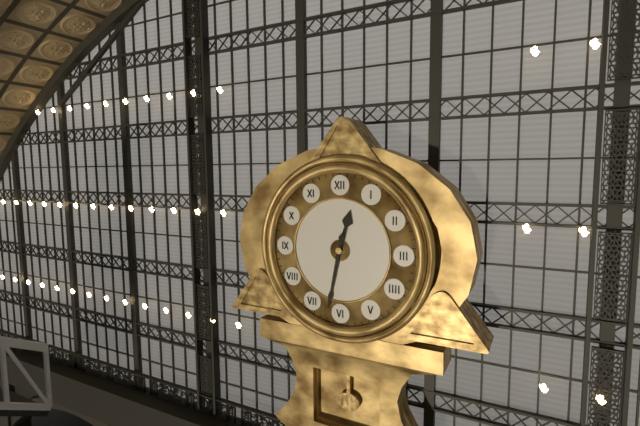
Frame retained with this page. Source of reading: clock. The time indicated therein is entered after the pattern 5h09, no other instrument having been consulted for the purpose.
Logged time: 12h32
